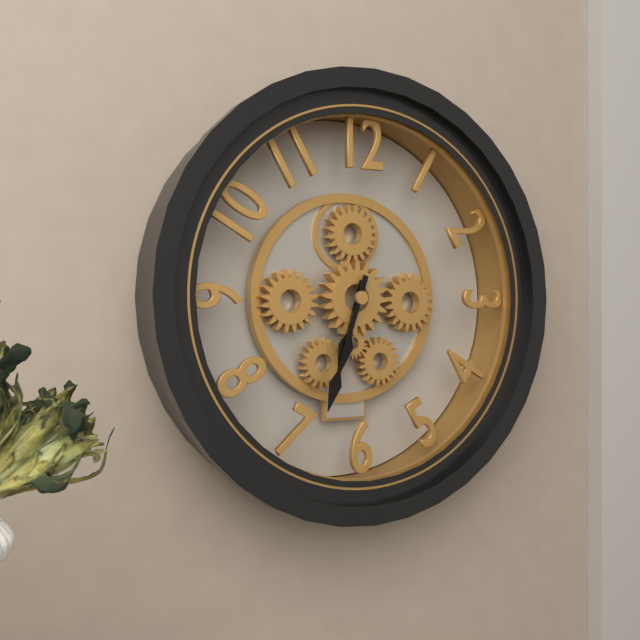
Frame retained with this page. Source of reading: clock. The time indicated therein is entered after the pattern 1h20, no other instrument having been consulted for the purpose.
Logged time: 6h33
